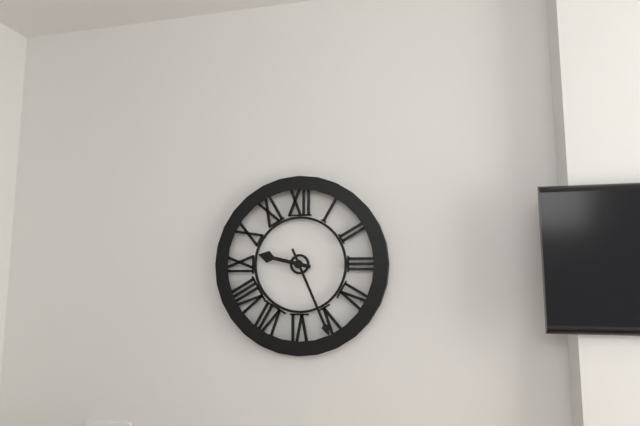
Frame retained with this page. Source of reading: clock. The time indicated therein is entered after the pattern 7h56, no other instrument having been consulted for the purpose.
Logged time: 9h26
